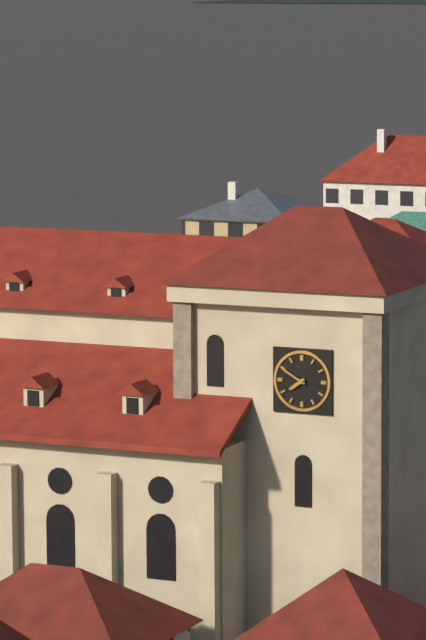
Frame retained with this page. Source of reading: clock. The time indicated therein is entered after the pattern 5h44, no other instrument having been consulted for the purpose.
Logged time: 7h50
